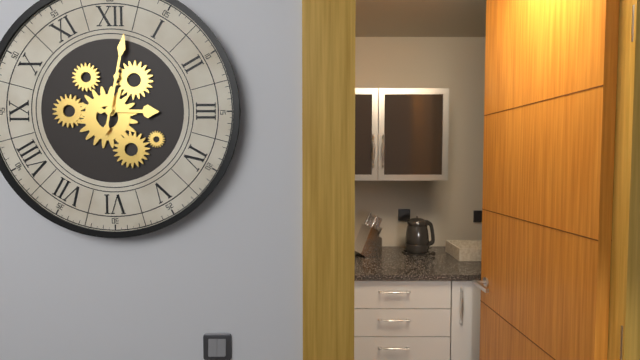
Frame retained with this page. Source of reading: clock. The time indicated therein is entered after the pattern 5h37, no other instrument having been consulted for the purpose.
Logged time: 3h02
